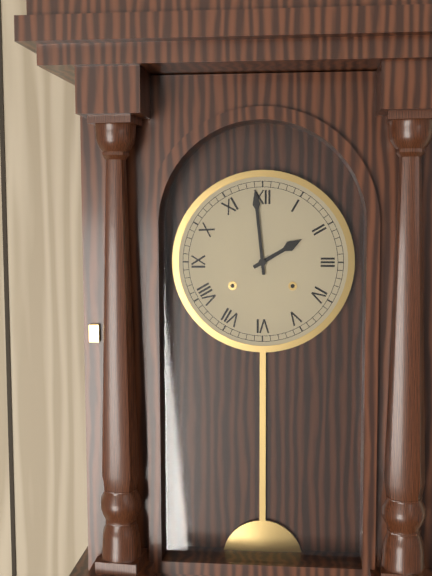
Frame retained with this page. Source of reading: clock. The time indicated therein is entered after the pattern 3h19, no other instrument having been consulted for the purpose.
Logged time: 1h59
